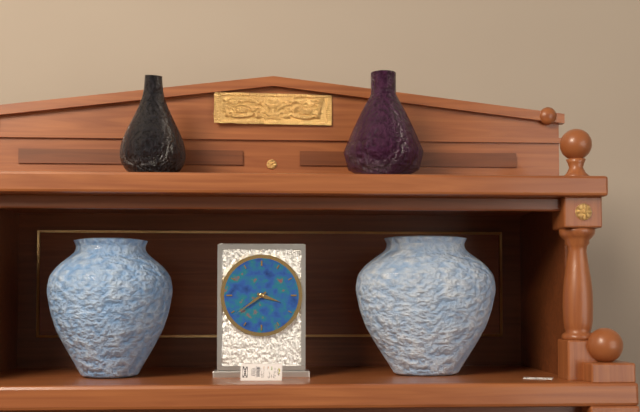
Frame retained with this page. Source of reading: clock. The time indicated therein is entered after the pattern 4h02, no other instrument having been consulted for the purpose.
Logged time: 3h39
